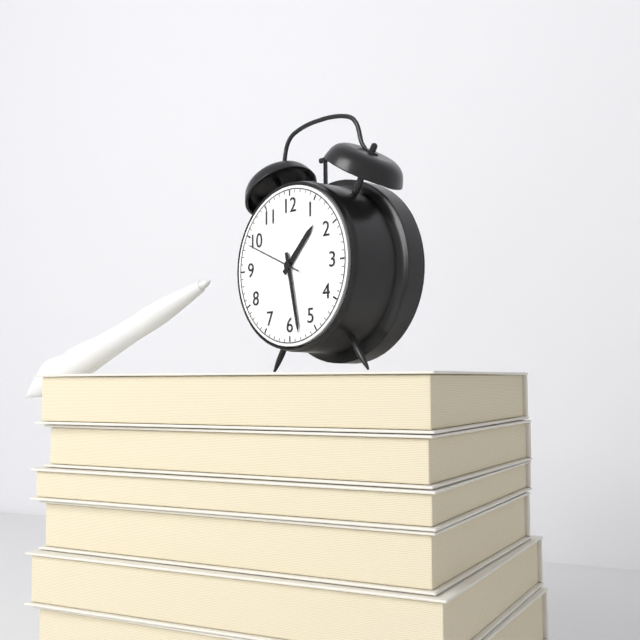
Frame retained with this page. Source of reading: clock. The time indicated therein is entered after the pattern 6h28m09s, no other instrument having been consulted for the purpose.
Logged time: 1h28m49s
